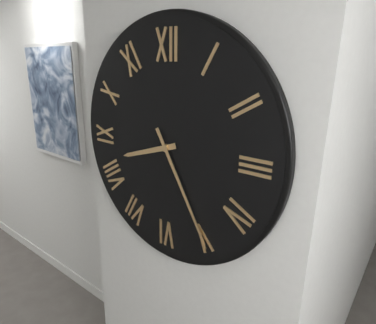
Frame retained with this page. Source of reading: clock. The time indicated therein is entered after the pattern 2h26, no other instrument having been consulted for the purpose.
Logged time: 8h25
